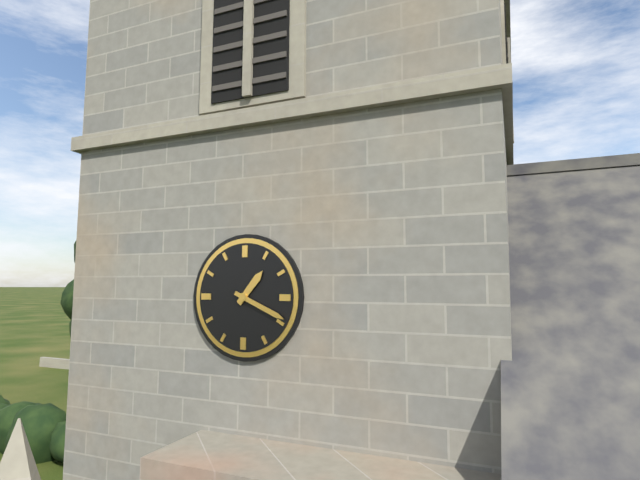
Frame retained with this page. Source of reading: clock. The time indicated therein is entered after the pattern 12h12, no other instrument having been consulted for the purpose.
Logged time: 1h19
